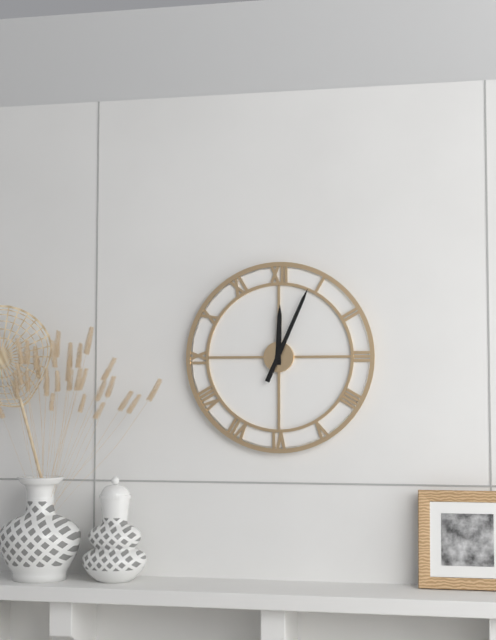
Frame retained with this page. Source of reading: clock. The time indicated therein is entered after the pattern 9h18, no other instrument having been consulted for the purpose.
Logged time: 12h04
